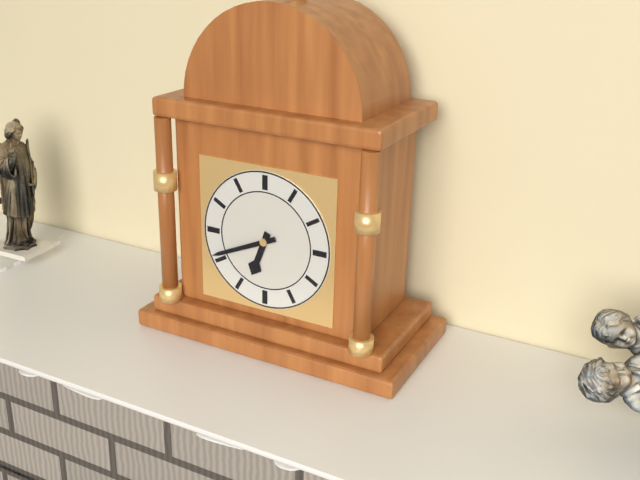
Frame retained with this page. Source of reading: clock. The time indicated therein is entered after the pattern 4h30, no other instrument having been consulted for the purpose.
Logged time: 6h41
